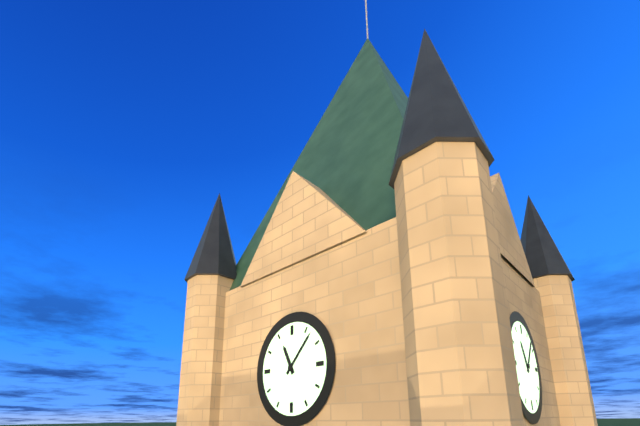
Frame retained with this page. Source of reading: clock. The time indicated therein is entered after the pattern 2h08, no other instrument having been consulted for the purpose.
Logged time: 11h07
